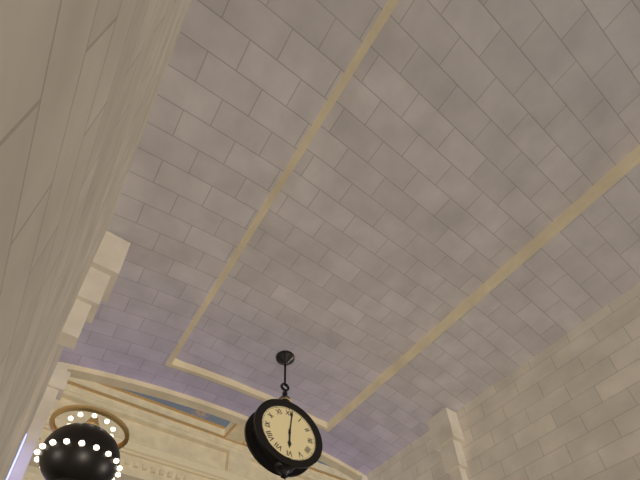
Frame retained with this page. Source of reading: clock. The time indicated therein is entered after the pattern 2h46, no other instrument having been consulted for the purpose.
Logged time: 6h01
